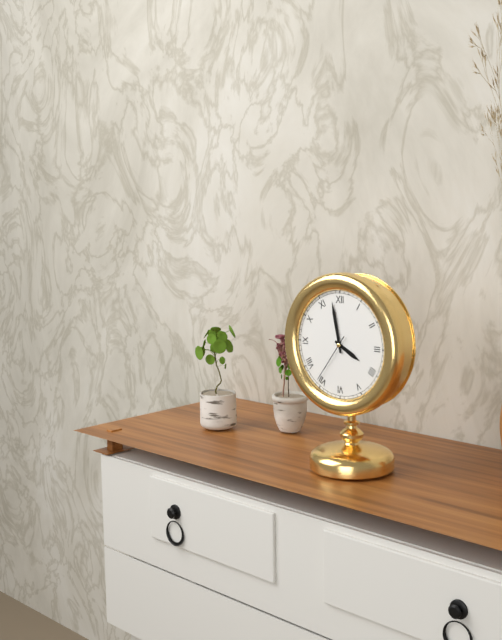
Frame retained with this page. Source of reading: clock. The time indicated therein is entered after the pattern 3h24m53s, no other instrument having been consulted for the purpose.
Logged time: 3h58m36s
